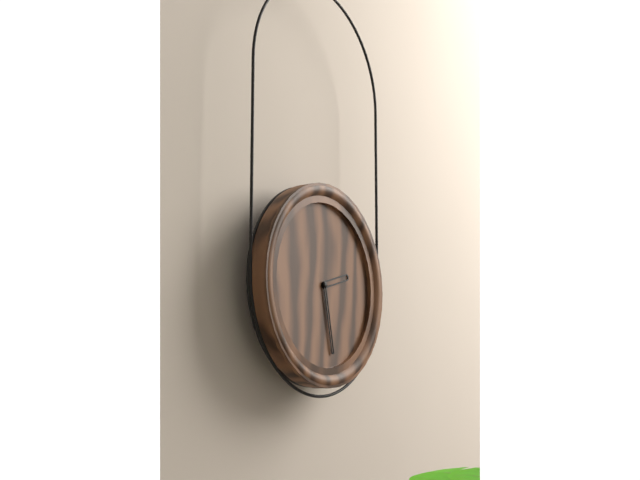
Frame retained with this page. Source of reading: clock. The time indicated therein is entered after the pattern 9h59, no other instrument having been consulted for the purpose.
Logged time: 2h28
